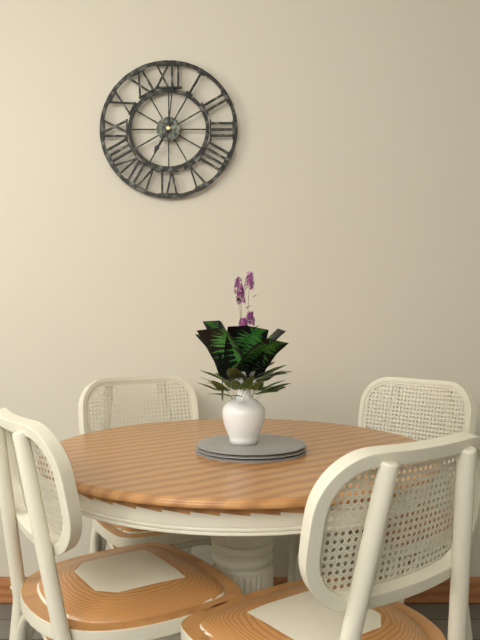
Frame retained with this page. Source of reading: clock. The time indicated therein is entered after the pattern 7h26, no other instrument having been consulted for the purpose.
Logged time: 7h01
